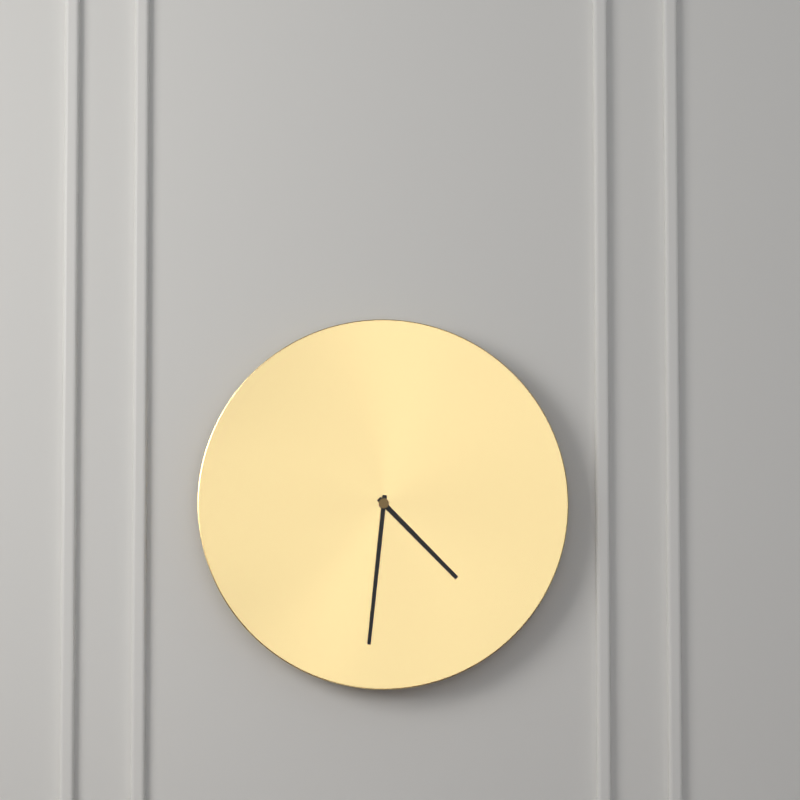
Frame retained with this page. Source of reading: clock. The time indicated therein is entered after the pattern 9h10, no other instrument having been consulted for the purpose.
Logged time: 4h31
